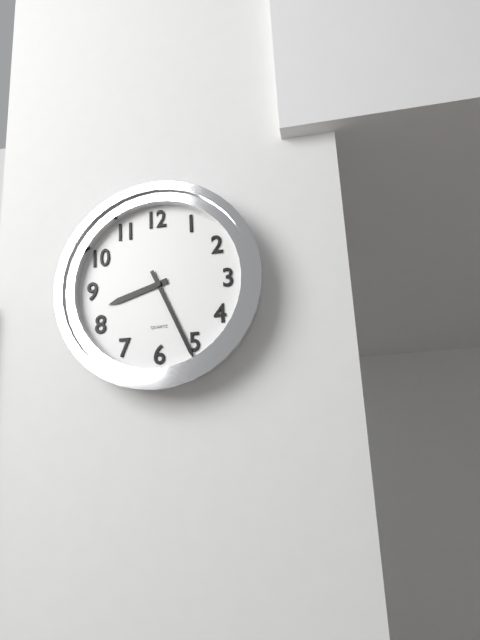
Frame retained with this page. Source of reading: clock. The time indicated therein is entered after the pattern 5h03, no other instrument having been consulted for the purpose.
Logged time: 8h26
